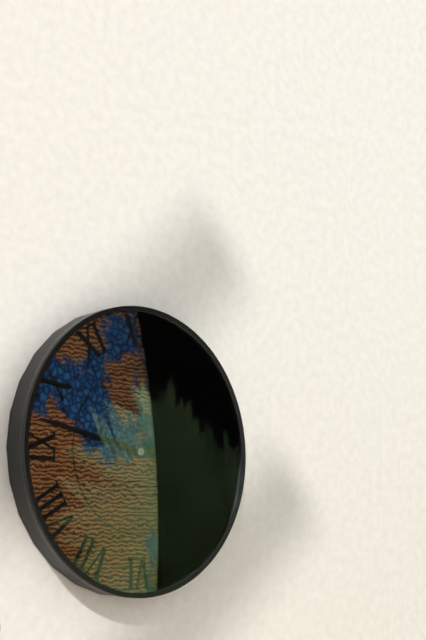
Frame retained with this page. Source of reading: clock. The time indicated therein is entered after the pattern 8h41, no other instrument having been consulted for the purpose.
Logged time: 2h47
